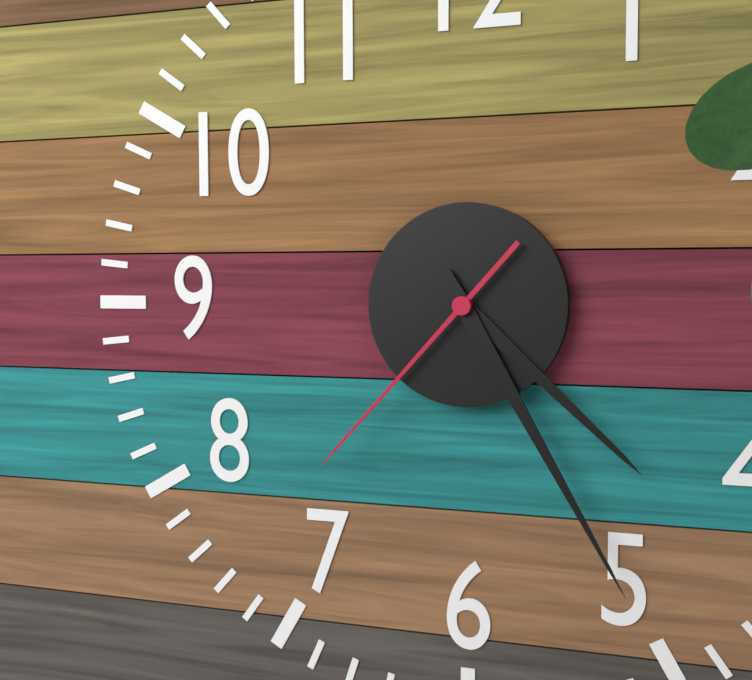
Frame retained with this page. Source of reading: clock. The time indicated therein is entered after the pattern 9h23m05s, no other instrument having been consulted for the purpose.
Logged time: 4h25m37s
